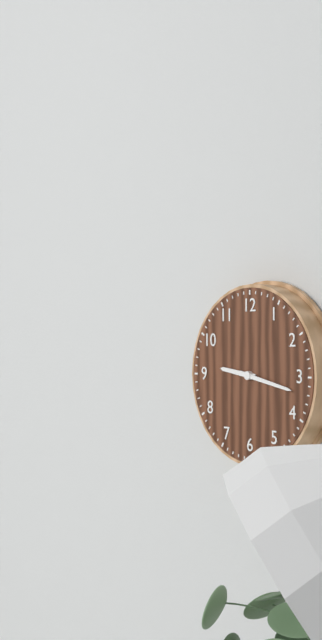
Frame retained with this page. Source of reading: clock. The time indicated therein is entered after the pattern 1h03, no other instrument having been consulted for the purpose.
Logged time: 9h17
